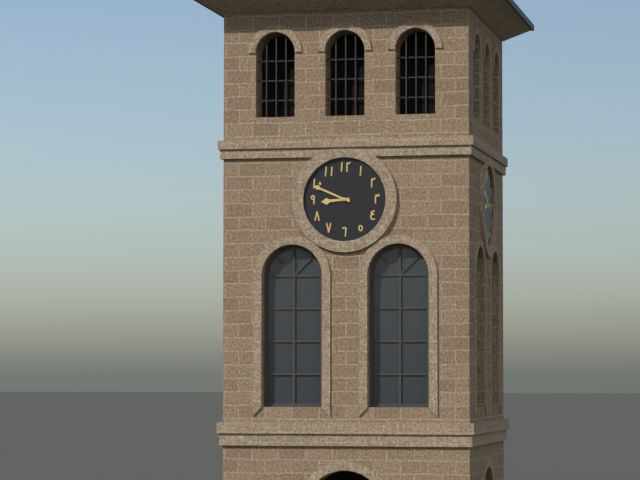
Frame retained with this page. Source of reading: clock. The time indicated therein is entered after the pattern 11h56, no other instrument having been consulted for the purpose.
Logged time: 8h49
